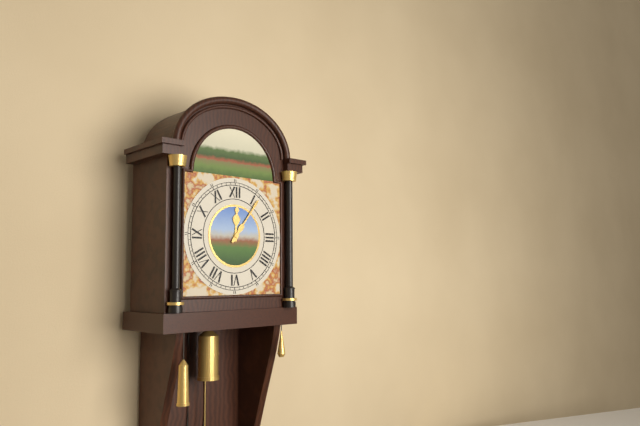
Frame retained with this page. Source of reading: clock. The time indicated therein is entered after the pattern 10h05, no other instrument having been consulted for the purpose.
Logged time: 12h06
